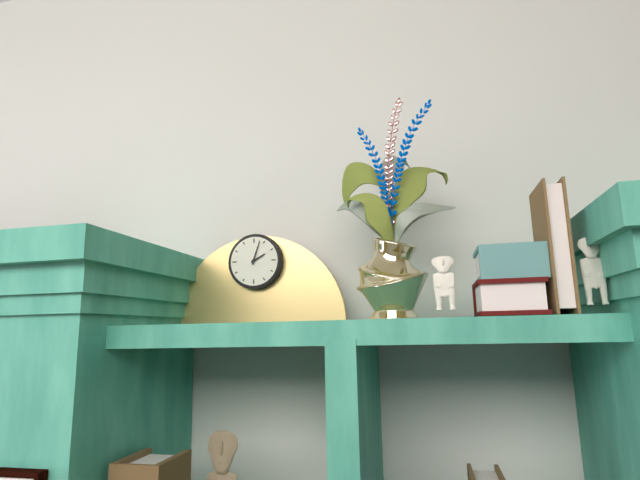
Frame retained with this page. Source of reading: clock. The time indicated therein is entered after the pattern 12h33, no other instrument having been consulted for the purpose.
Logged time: 2h03
